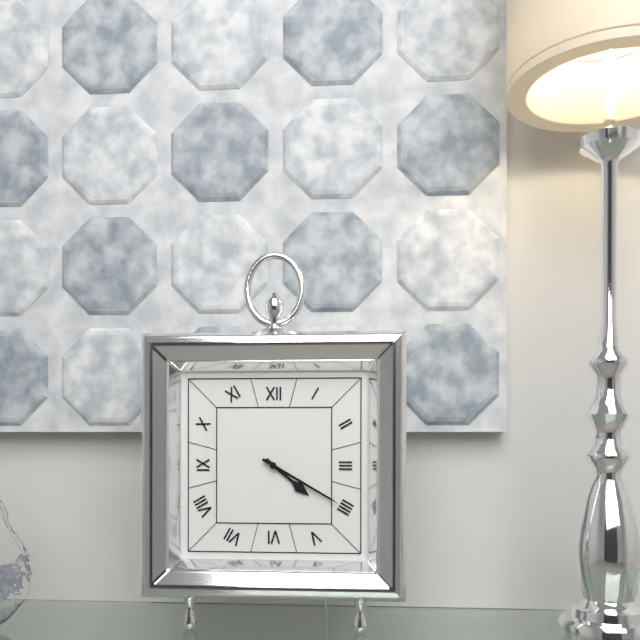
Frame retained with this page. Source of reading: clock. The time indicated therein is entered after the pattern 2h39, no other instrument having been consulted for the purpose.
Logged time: 4h20
